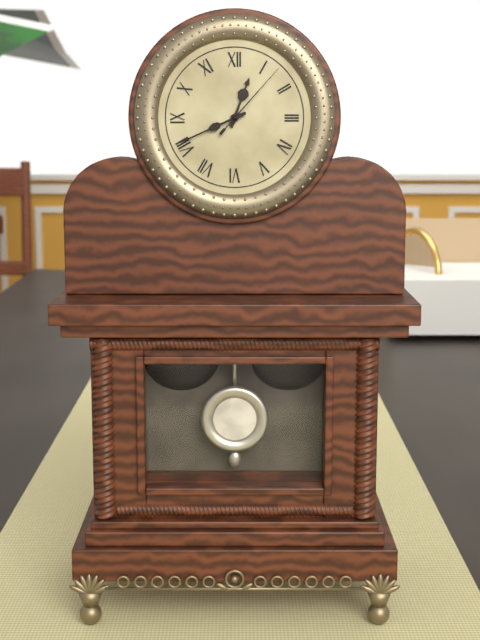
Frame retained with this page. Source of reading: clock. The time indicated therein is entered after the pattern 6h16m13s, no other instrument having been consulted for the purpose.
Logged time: 12h41m07s
